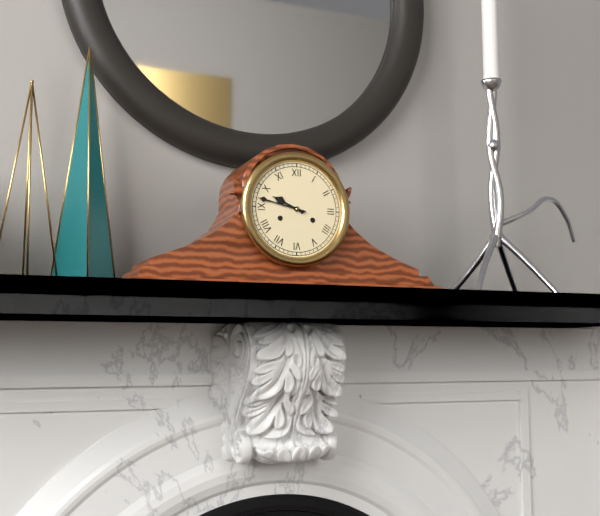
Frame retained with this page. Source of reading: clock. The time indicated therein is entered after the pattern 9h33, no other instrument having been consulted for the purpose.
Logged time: 9h47
